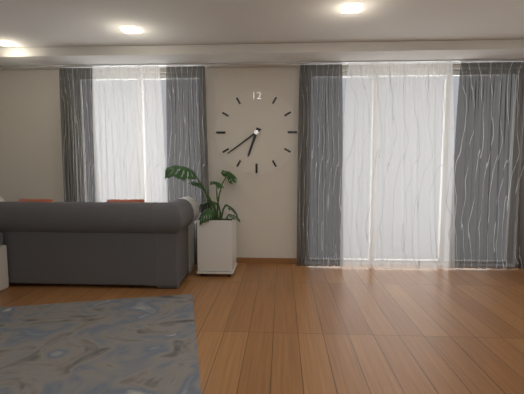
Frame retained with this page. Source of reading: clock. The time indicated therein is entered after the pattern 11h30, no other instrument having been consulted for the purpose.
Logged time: 6h39
